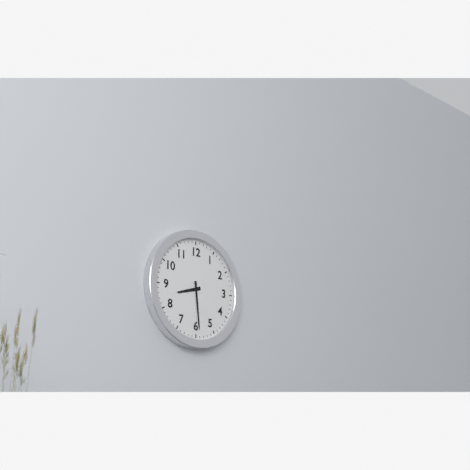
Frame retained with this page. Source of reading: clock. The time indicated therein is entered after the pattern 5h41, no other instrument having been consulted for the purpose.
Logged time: 8h29
